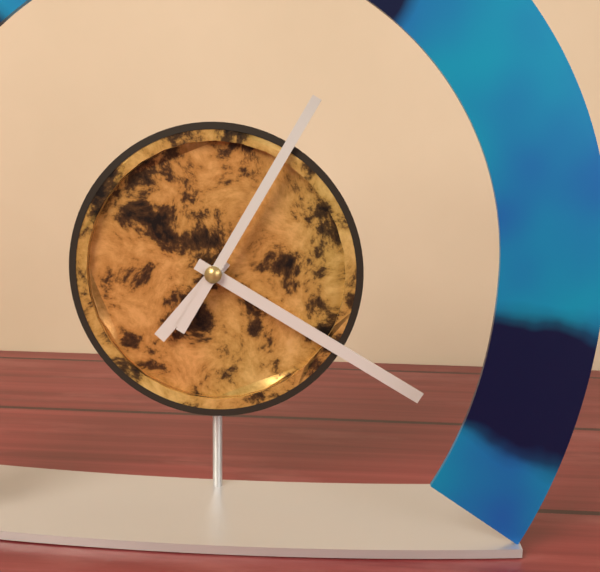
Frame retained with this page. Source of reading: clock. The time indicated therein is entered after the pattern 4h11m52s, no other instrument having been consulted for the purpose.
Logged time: 7h20m05s
